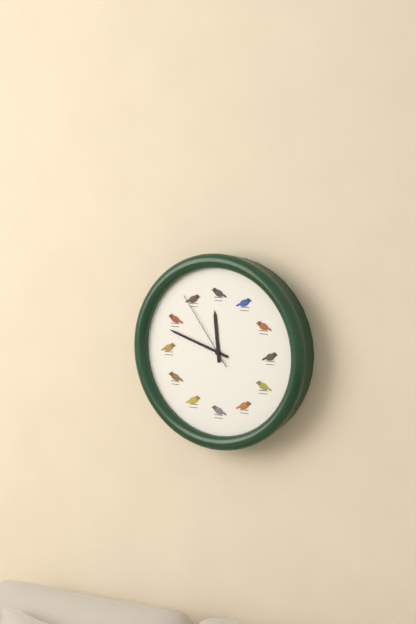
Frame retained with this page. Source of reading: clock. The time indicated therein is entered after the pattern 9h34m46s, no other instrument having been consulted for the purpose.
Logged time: 11h48m54s
